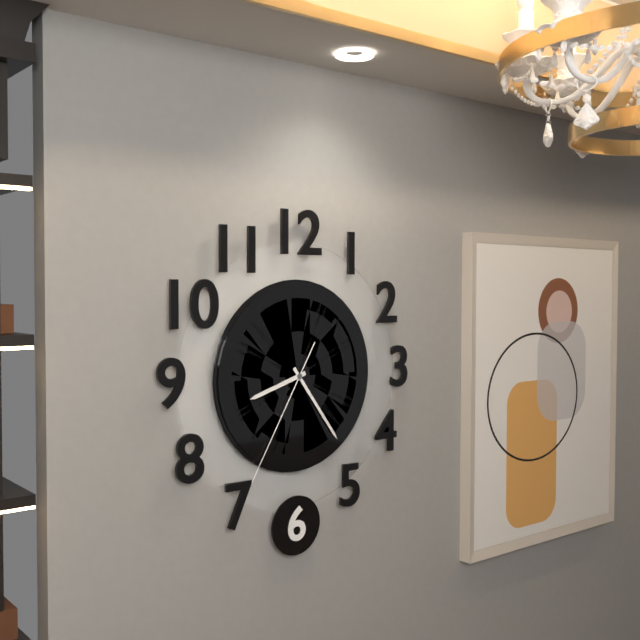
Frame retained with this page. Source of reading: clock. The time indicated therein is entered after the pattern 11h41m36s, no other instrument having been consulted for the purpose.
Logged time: 8h24m35s
